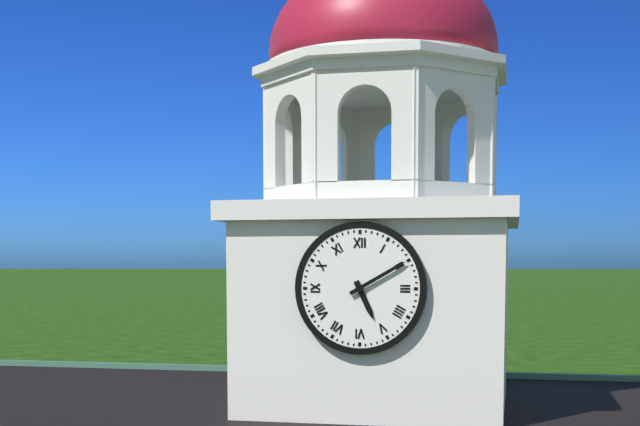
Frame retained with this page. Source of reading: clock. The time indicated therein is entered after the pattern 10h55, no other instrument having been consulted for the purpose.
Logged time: 5h10
